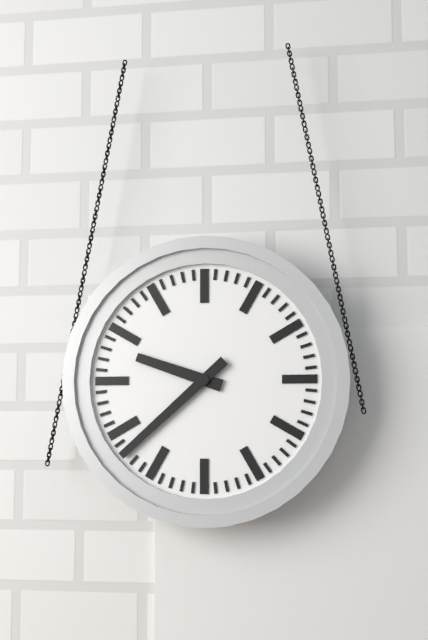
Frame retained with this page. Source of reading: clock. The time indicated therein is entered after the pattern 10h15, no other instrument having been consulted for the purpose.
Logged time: 9h38
